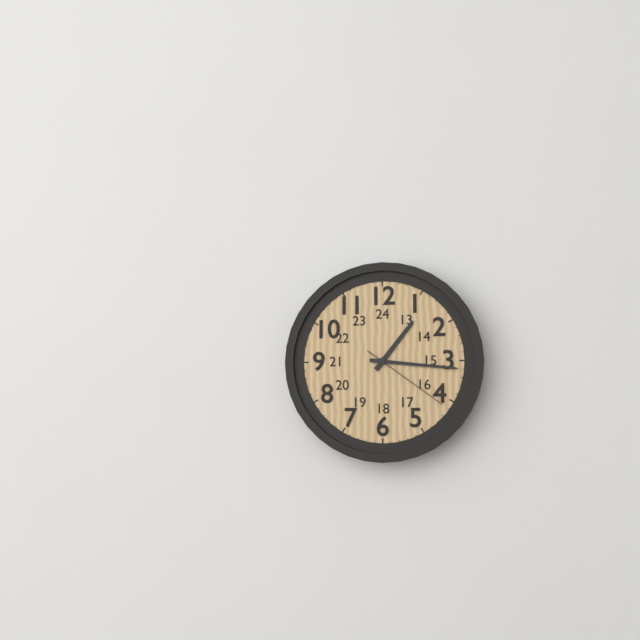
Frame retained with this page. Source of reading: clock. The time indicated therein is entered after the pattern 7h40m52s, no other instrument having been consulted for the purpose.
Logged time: 1h16m21s
